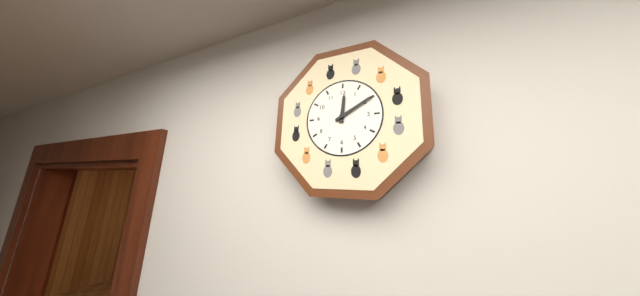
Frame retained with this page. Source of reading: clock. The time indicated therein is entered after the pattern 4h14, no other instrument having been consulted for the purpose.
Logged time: 12h10
